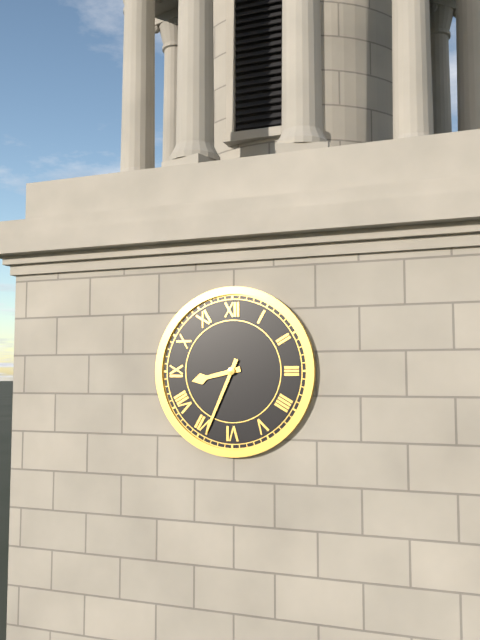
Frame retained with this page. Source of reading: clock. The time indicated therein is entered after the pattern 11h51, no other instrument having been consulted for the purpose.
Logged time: 8h34
